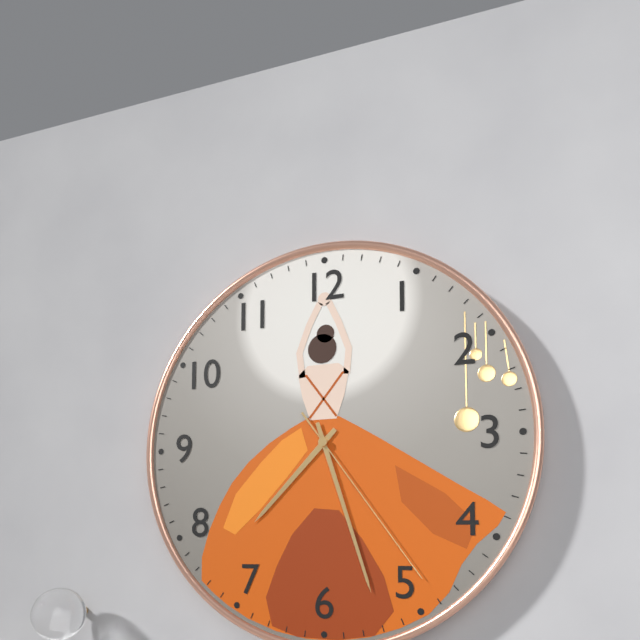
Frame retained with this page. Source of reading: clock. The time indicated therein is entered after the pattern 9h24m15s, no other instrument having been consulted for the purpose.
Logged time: 7h27m24s
